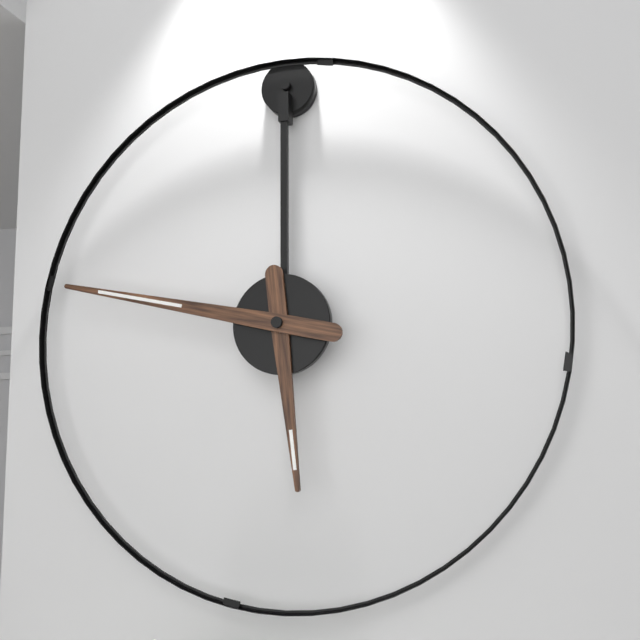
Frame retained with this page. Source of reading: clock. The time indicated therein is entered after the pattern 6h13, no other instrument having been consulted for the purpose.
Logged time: 5h47
